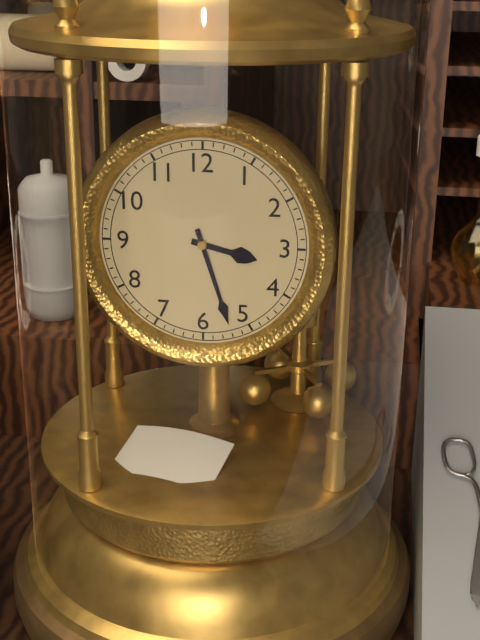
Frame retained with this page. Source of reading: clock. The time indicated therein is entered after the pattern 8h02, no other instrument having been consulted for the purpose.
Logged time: 3h27
